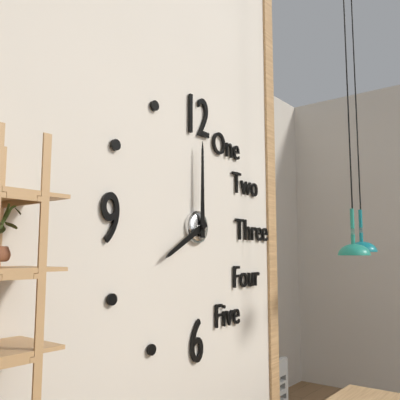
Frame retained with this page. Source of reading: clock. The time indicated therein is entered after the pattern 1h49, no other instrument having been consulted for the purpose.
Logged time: 8h00
